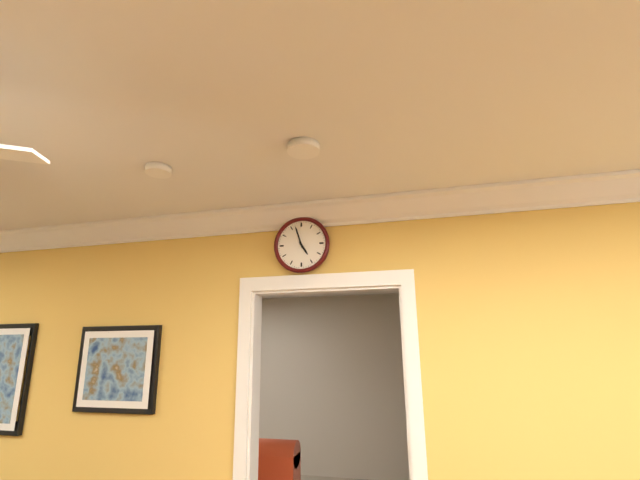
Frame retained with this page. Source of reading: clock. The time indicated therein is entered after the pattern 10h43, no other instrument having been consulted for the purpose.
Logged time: 4h57
